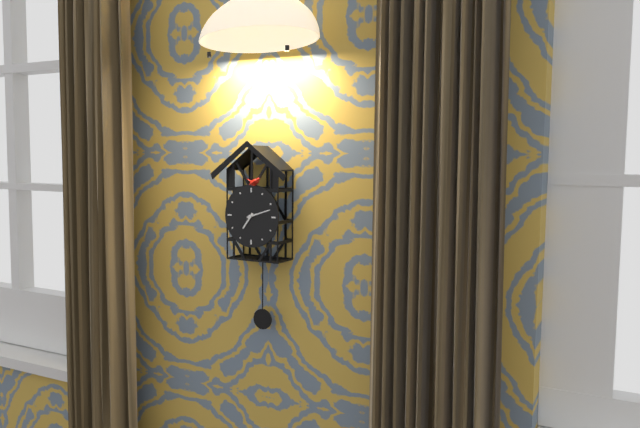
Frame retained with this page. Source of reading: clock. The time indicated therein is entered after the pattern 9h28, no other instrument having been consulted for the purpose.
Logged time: 7h12
